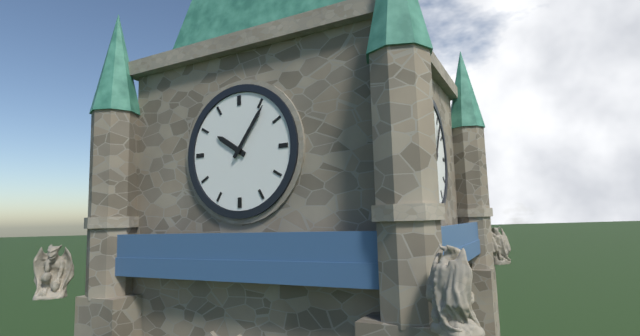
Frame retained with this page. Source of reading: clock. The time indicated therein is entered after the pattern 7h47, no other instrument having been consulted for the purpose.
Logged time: 10h06
